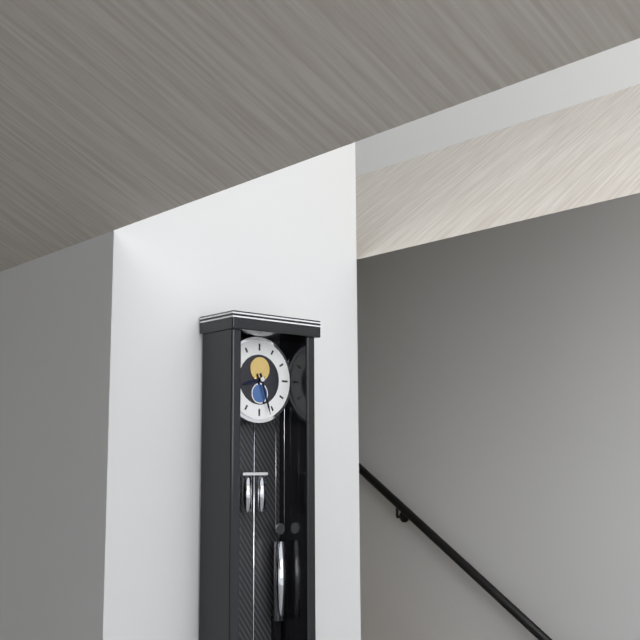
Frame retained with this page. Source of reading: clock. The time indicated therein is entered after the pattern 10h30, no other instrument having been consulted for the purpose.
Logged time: 8h27
